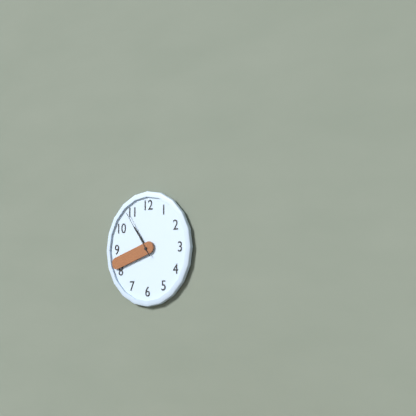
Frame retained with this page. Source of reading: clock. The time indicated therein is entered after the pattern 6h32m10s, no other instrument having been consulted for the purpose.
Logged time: 10h42m54s
